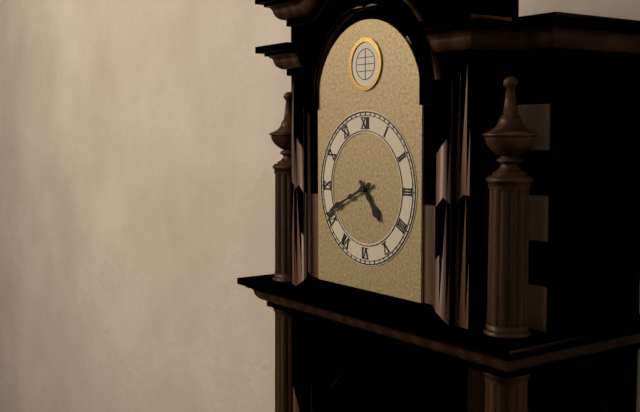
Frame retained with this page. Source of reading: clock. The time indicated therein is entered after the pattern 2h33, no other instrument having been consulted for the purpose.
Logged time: 4h41
